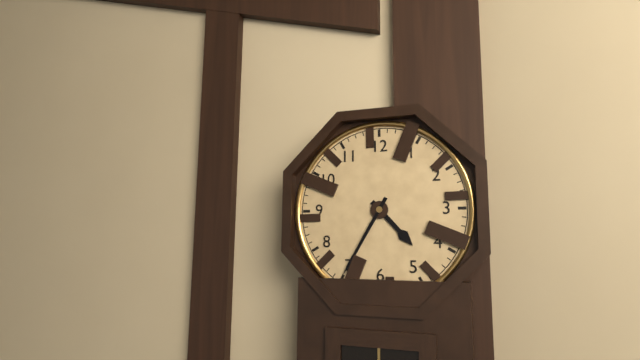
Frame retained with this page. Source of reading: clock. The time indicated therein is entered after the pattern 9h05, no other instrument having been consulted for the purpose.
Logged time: 4h35
